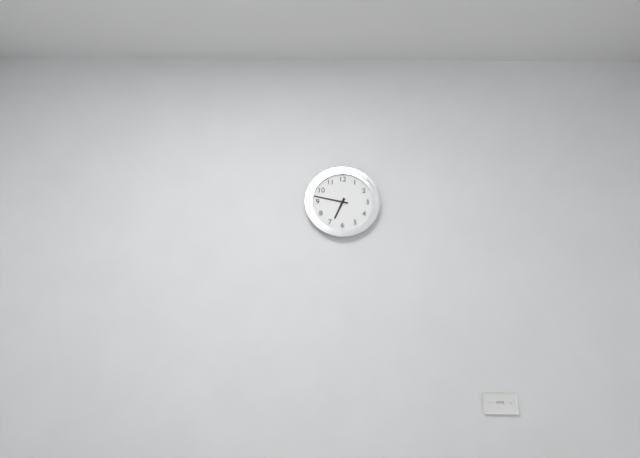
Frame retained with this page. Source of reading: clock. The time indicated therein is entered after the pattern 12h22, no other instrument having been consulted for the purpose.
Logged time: 6h47
